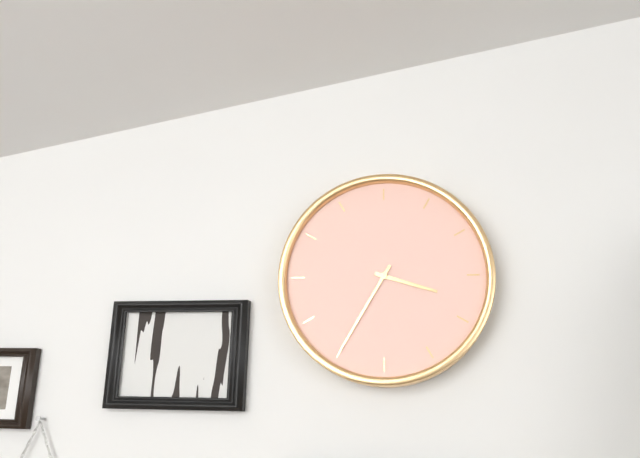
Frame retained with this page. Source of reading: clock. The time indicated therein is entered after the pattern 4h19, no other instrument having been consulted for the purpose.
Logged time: 3h35
